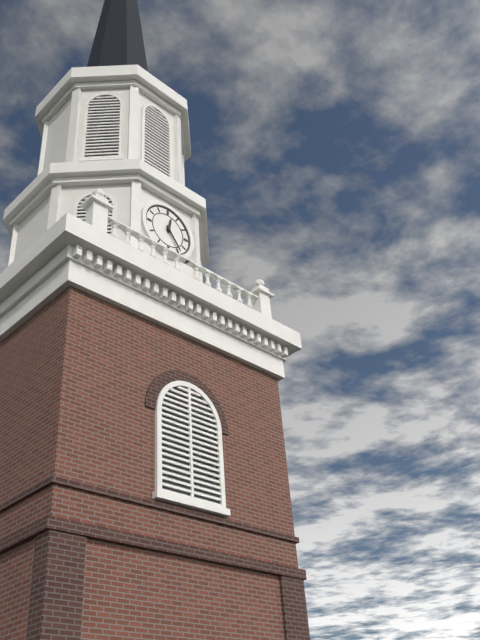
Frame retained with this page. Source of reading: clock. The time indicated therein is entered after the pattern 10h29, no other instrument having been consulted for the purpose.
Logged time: 12h24
